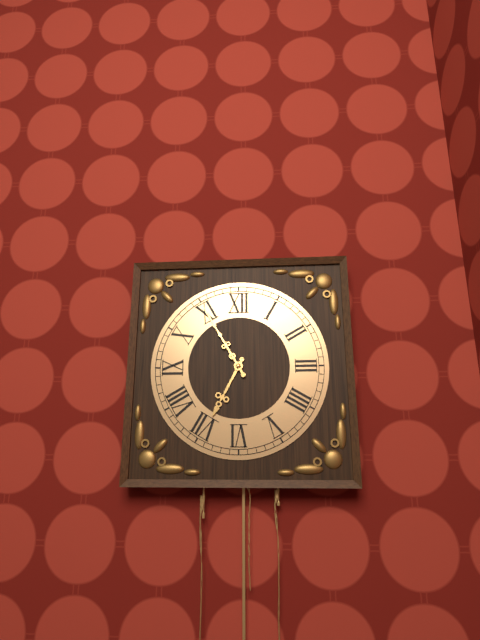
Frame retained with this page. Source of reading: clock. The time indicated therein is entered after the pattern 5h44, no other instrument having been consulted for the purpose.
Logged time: 6h55
